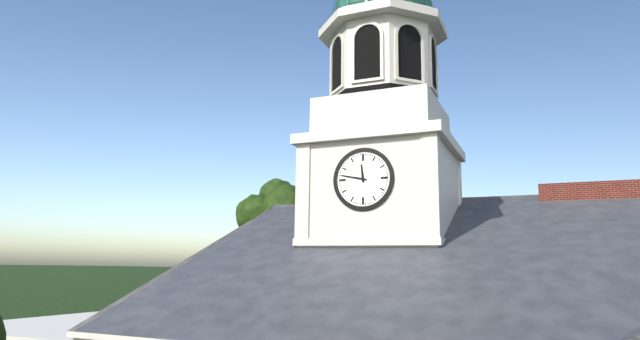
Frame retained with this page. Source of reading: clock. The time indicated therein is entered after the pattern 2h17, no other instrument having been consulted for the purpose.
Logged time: 11h47
